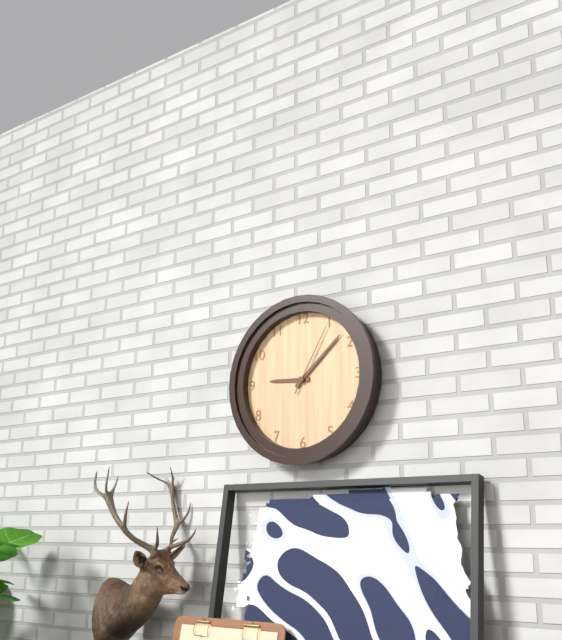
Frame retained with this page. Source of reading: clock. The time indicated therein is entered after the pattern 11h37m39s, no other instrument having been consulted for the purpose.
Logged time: 9h08m05s
